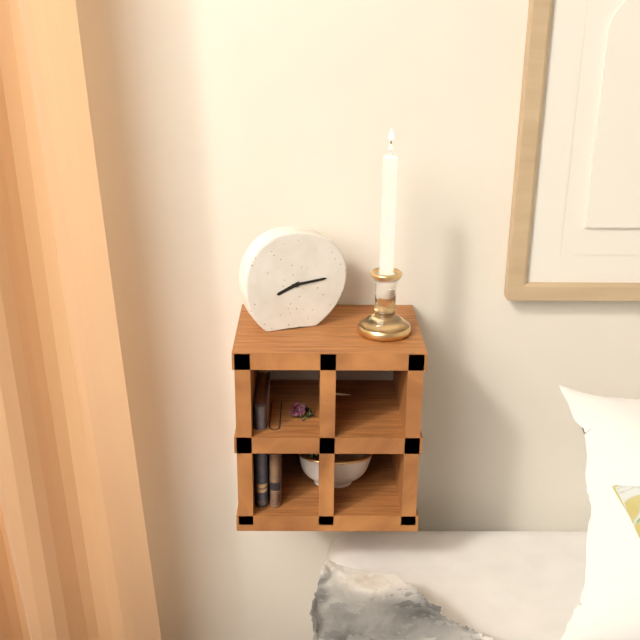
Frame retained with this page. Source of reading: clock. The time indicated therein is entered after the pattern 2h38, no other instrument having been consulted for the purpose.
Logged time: 8h14
